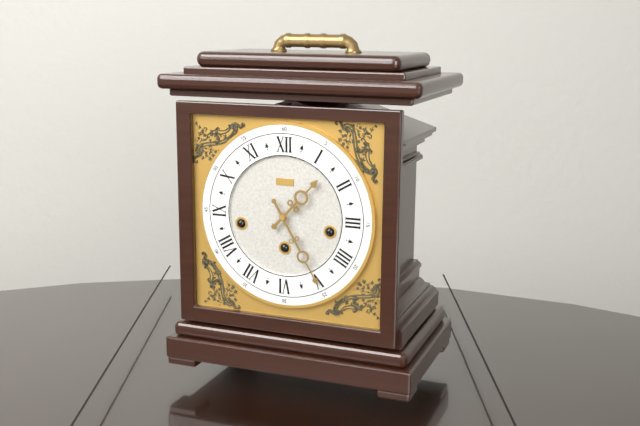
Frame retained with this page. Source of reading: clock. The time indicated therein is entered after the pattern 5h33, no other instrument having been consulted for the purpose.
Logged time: 1h25
